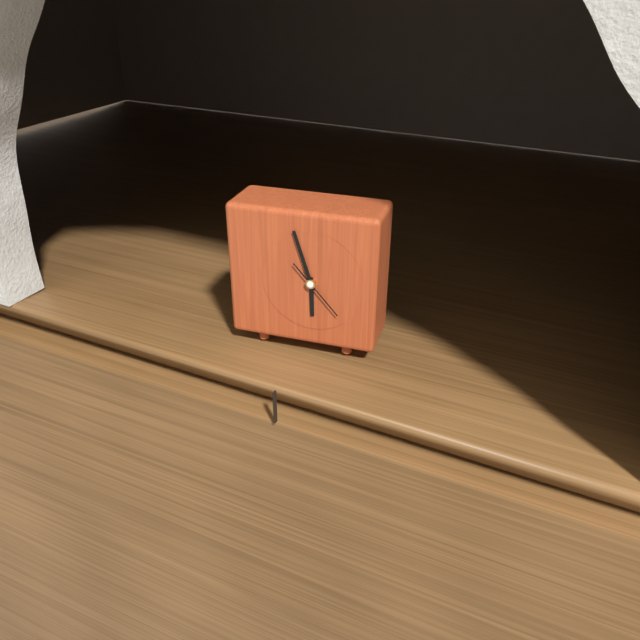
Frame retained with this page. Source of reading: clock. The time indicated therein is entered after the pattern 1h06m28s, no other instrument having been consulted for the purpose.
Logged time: 5h57m23s
